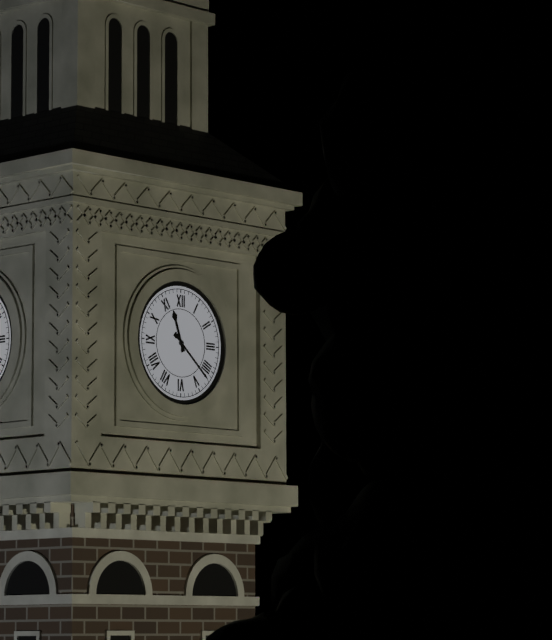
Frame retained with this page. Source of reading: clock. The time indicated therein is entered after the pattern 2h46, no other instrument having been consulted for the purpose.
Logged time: 11h22
